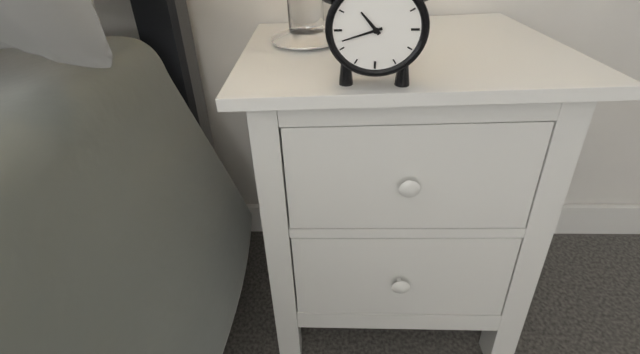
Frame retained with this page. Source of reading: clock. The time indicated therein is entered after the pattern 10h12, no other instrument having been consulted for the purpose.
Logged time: 10h42
